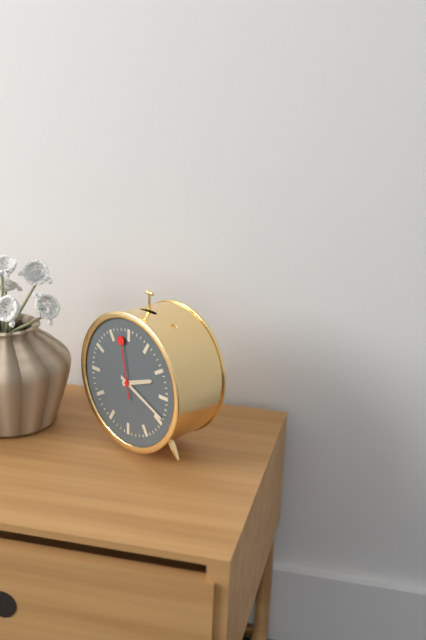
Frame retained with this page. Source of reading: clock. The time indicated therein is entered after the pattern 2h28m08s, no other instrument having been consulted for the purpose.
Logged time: 2h19m58s
